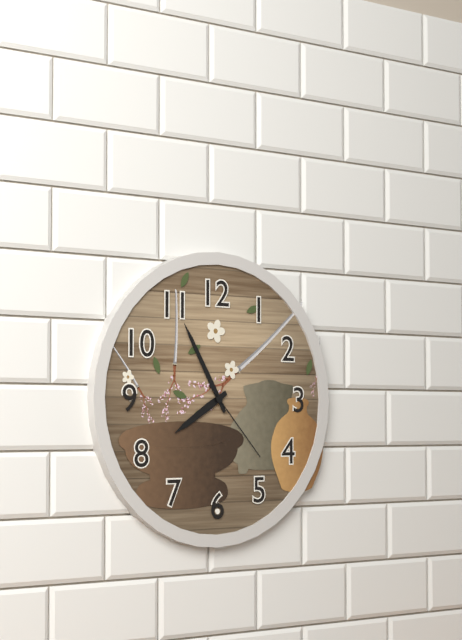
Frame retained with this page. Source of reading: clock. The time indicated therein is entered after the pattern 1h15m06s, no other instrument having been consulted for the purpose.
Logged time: 7h55m23s
